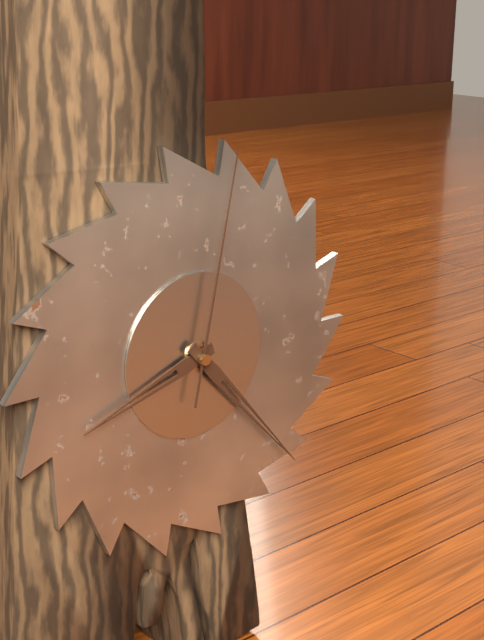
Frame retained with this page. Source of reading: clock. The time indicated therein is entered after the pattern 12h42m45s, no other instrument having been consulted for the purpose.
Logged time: 8h23m02s
